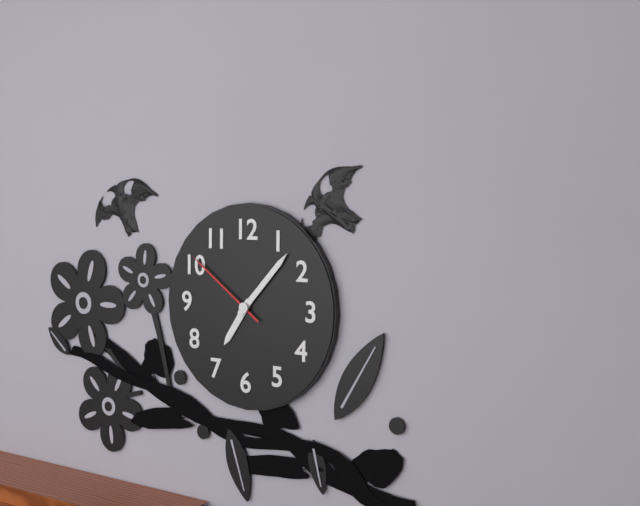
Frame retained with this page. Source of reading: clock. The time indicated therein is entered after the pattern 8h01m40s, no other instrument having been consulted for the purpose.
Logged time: 7h07m51s
